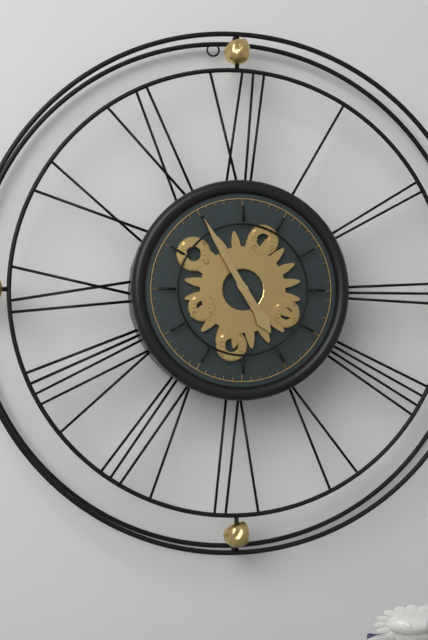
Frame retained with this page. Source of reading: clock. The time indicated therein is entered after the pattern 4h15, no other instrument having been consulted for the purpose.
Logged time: 4h55
